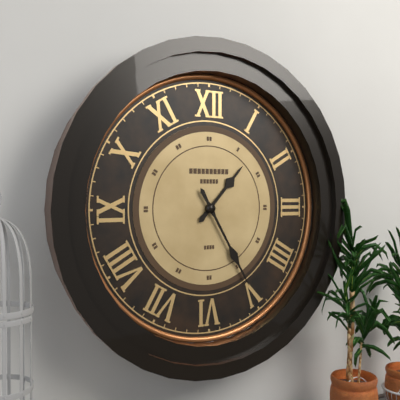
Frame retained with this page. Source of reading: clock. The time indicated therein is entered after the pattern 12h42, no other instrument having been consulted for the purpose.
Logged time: 1h25
